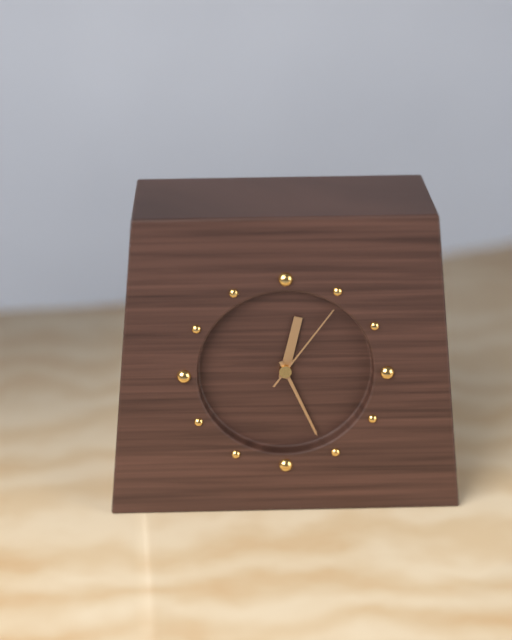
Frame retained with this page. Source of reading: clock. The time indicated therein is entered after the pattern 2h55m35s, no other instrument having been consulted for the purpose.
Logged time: 12h26m06s
